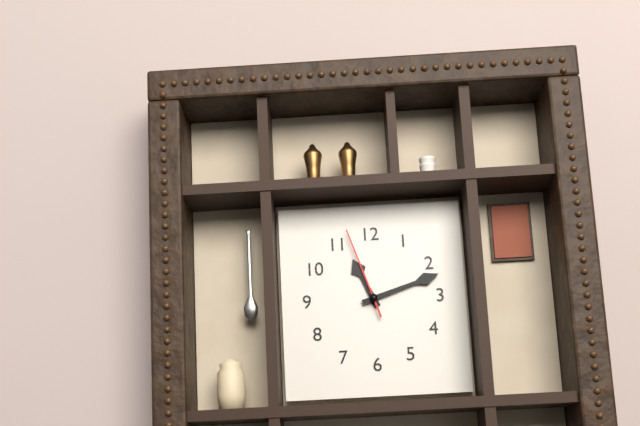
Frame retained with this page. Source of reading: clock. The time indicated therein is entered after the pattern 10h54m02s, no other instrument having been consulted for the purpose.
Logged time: 11h12m57s
